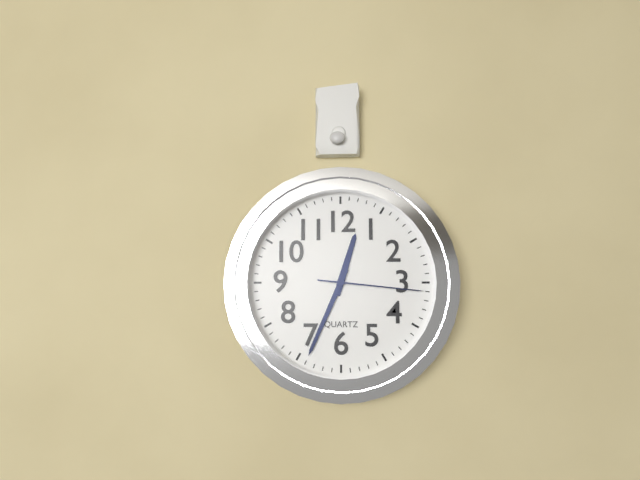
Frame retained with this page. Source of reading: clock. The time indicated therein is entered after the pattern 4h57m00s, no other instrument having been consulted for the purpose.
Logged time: 12h34m16s
